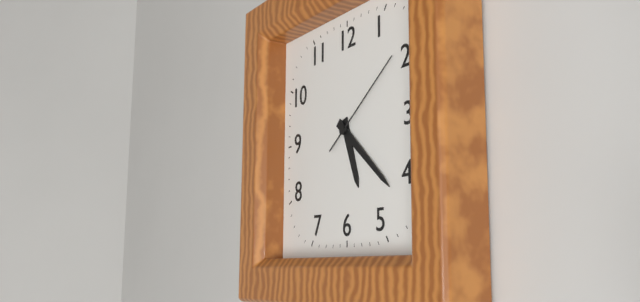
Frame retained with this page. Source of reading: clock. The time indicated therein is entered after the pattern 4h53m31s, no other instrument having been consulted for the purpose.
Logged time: 5h22m09s
